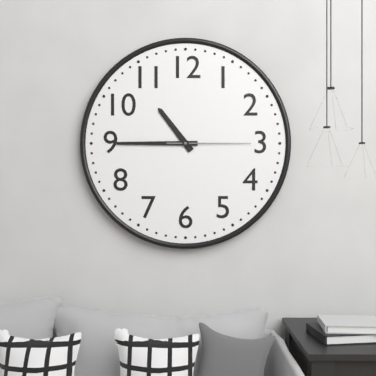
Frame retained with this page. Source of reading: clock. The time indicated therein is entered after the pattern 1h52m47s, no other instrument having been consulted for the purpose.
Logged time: 10h45m15s
